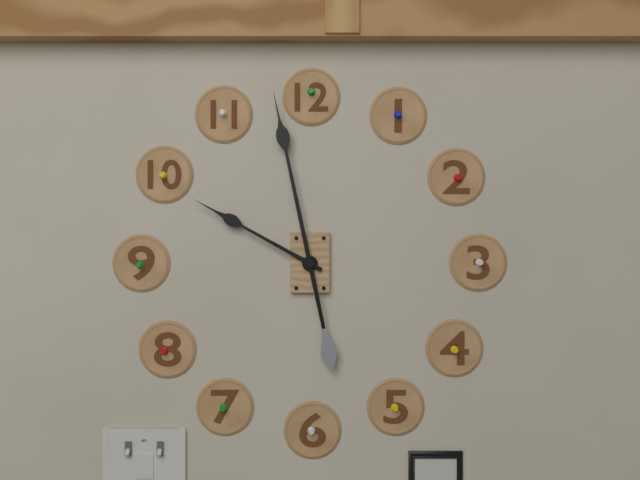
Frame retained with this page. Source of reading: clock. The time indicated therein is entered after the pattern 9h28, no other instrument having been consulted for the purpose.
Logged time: 9h58
